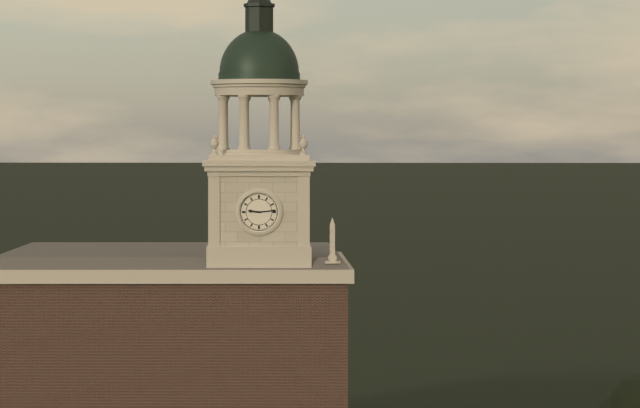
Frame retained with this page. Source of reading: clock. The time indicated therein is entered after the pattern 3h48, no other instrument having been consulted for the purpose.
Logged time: 9h14
